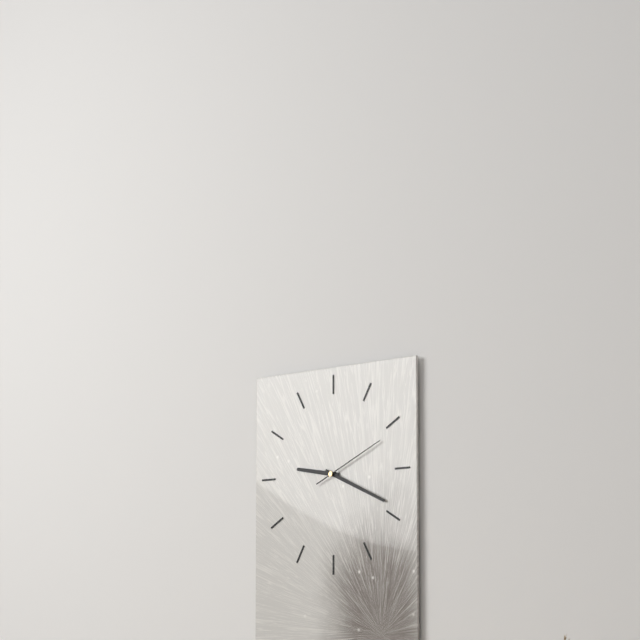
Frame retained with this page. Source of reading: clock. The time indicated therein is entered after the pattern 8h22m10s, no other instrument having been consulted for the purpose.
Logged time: 9h19m11s
